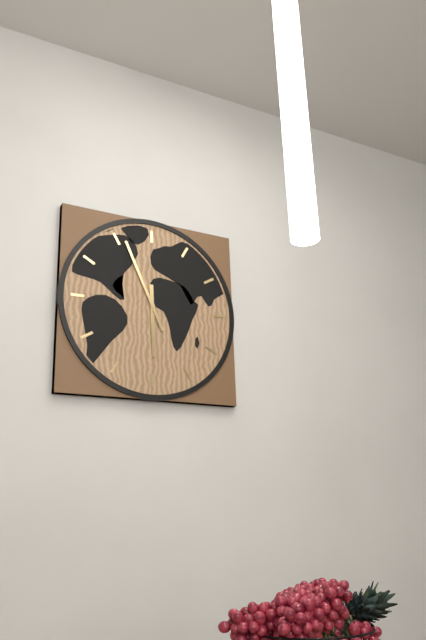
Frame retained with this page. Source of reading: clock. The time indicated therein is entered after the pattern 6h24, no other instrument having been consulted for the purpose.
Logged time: 5h56
